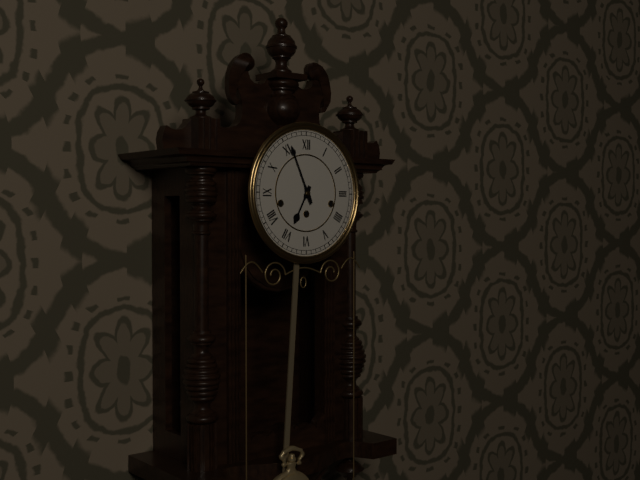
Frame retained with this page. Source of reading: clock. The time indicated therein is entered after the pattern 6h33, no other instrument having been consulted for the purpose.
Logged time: 6h56
